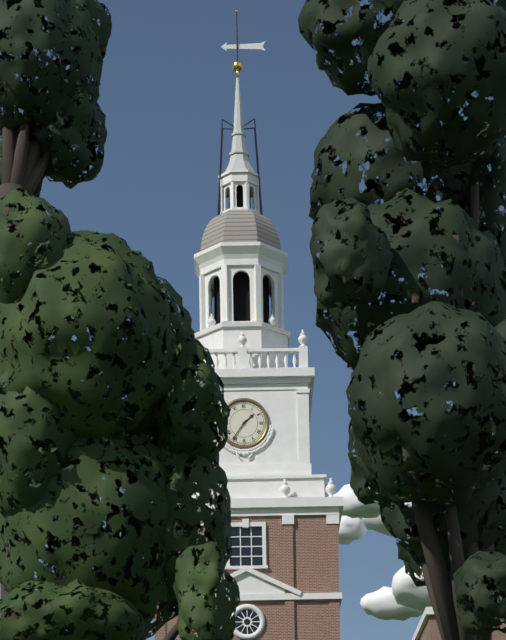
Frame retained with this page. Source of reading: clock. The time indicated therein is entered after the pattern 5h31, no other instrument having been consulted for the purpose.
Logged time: 1h36
